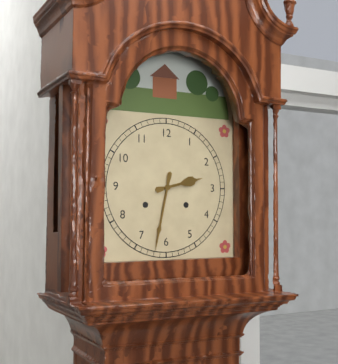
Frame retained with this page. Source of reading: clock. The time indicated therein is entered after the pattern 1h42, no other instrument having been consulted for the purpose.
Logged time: 2h32
